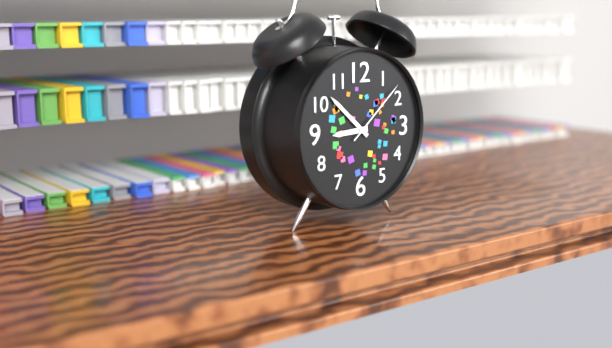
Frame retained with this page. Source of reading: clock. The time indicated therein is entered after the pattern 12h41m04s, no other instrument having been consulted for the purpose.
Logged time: 8h52m08s
